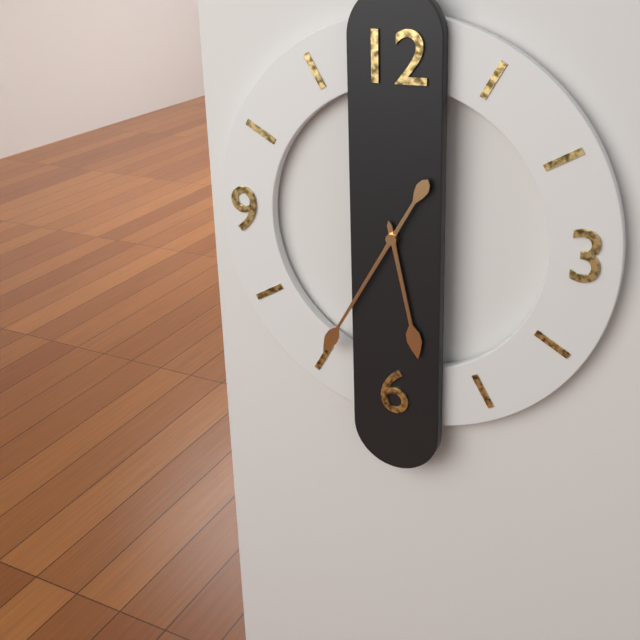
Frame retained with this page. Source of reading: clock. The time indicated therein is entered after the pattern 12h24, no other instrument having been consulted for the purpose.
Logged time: 5h35
